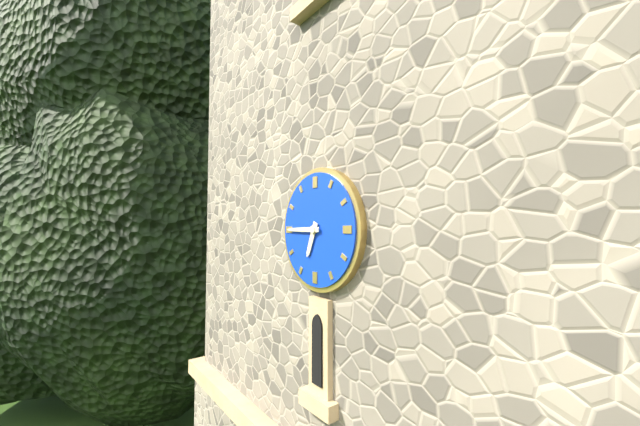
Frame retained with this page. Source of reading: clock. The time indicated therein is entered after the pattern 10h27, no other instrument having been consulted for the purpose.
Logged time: 6h45
